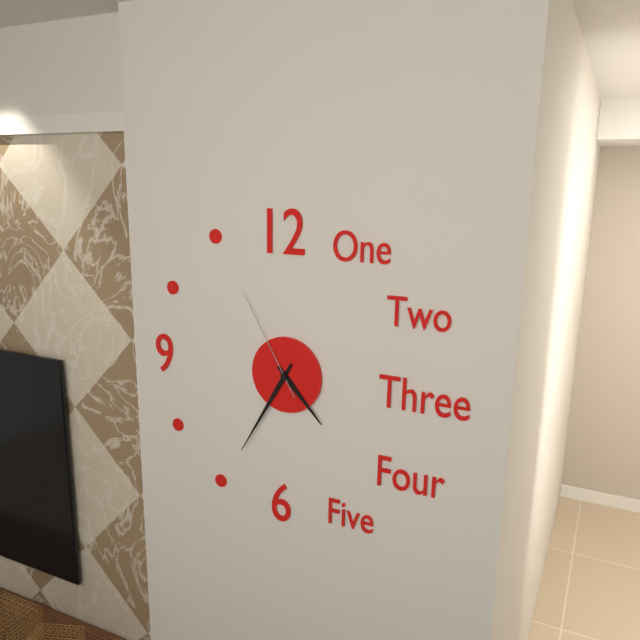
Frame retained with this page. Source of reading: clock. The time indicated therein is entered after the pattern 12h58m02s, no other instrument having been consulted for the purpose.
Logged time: 4h35m55s
